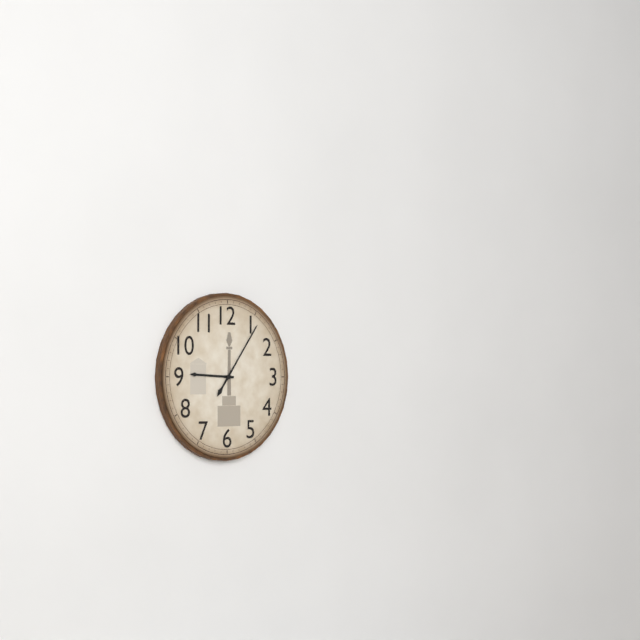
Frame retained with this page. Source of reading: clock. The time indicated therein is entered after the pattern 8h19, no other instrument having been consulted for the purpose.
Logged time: 9h06
